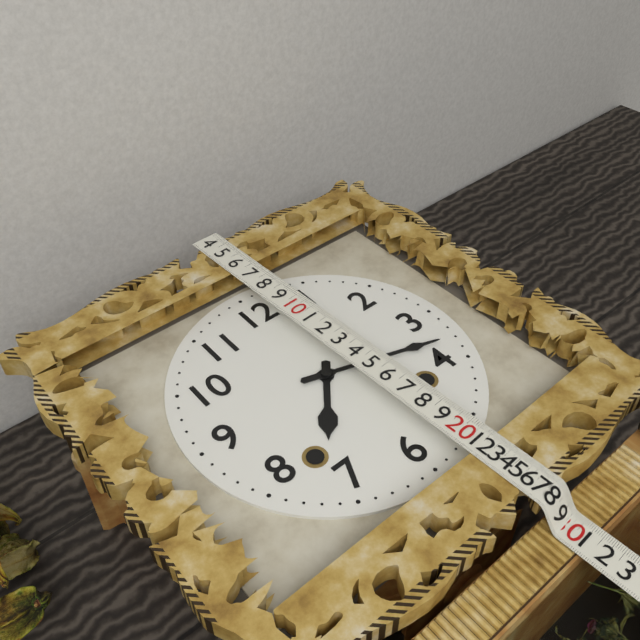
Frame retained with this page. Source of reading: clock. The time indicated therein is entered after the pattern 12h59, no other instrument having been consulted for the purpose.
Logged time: 7h18
